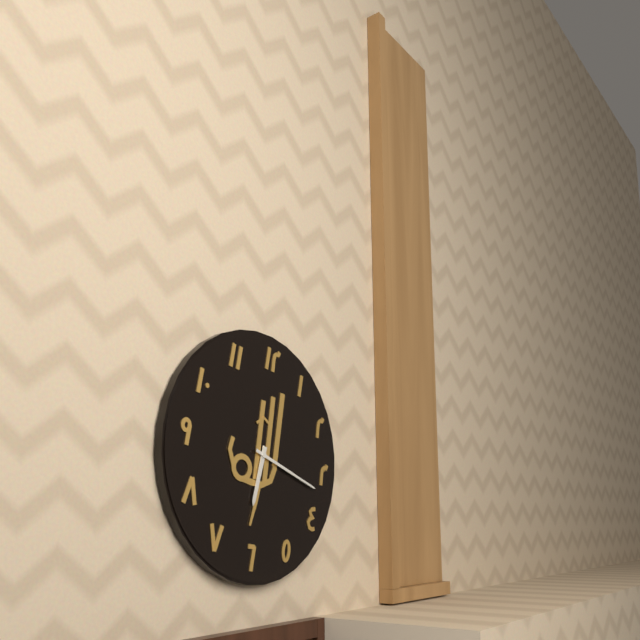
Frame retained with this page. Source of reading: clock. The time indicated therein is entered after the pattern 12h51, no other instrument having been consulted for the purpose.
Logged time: 6h17
